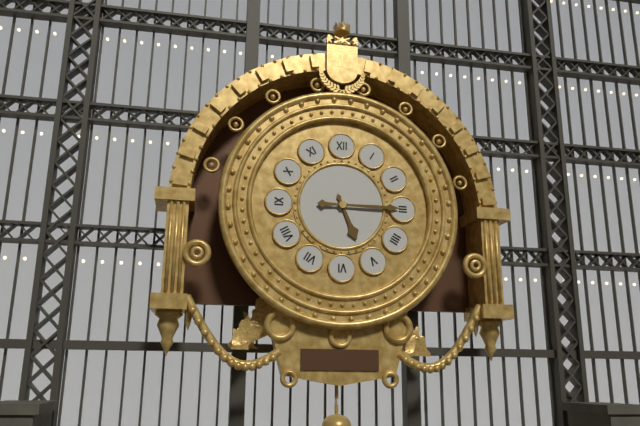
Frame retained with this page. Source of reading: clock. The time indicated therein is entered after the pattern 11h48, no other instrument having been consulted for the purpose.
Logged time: 5h15
